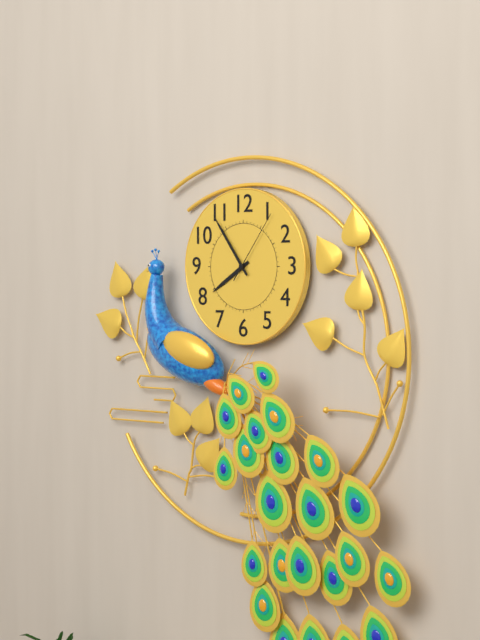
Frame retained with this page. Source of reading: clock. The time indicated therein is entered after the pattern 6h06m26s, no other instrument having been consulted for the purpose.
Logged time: 7h54m06s
